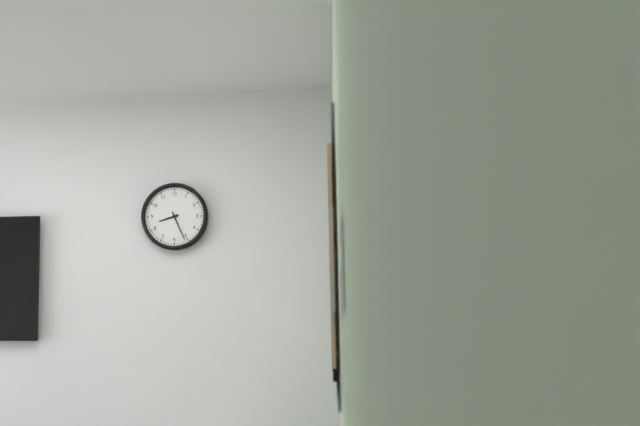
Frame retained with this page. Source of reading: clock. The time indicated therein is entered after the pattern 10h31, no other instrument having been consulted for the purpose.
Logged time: 8h26
